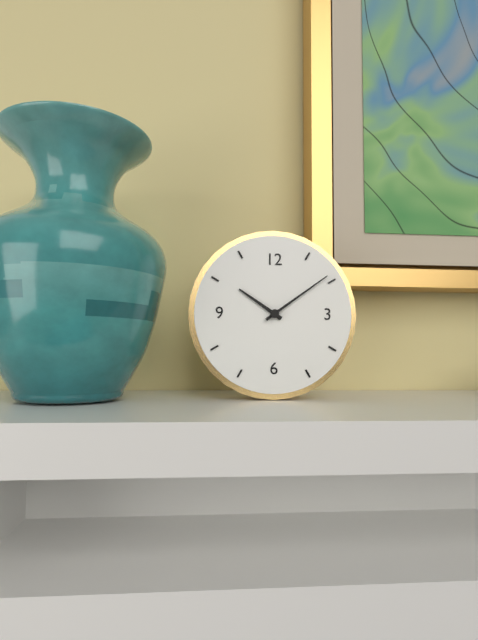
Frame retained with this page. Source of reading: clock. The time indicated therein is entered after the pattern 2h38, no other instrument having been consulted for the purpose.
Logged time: 10h09
